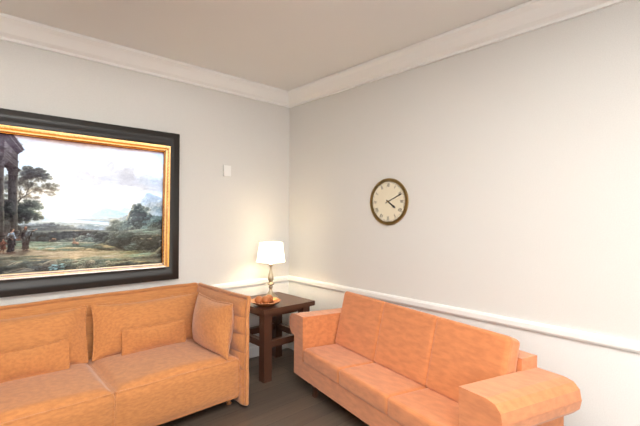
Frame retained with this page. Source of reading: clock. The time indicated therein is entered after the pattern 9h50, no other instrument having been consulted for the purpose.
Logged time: 4h11
